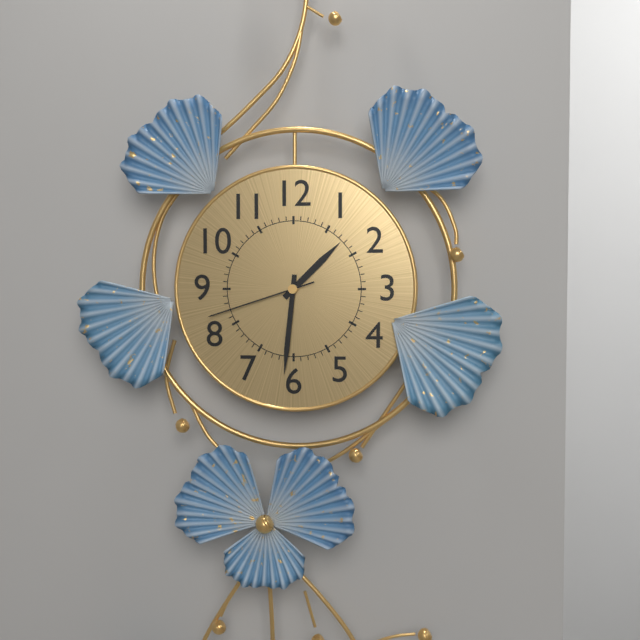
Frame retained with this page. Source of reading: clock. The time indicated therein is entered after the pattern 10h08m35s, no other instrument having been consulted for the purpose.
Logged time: 1h31m42s
